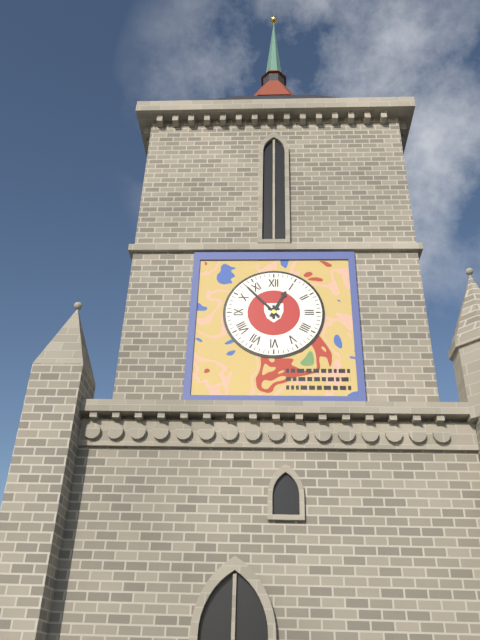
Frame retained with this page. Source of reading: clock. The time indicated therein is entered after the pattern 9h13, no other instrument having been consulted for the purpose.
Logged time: 12h53
